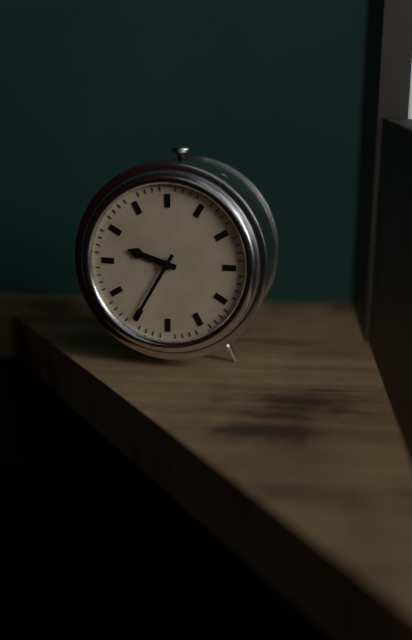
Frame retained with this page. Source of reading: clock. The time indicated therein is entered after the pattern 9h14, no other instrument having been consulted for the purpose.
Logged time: 9h35
